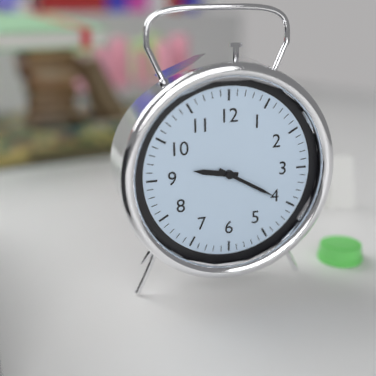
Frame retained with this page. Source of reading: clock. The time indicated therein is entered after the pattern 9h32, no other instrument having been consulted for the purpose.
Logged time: 9h20
